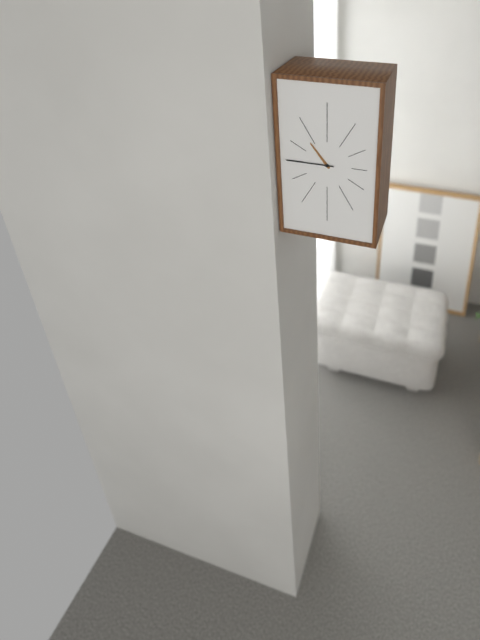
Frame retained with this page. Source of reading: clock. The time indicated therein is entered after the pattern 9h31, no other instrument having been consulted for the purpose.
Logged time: 10h45
